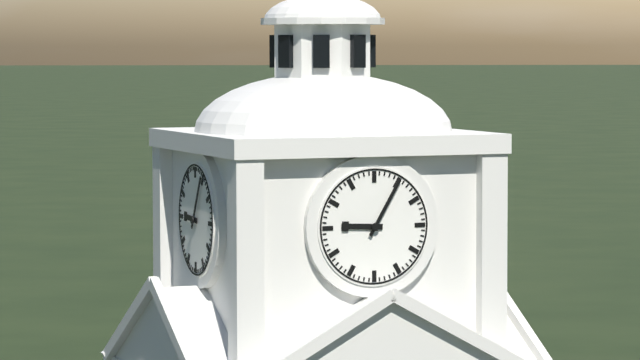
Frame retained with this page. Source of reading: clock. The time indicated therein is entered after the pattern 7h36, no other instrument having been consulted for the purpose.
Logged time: 9h05
